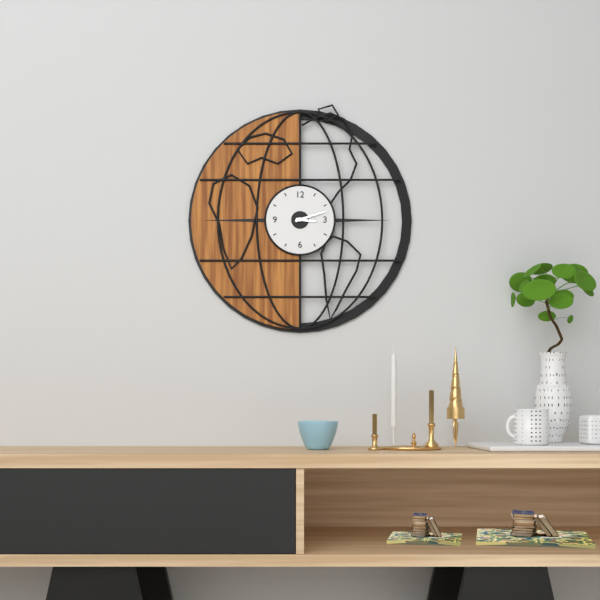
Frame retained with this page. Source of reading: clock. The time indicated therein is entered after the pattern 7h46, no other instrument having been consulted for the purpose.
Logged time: 3h12
